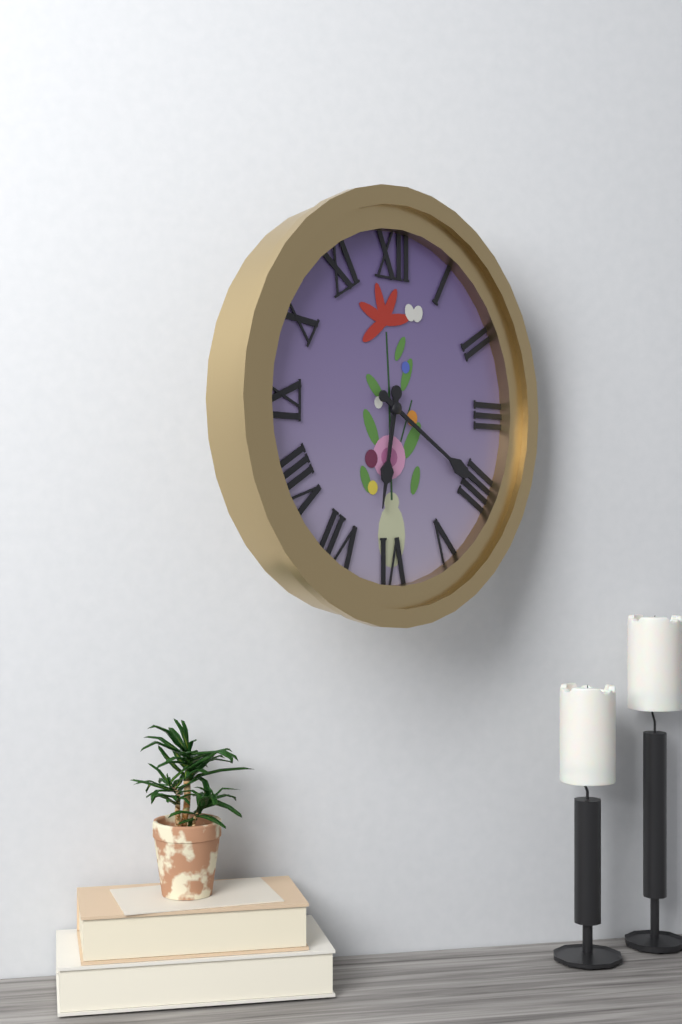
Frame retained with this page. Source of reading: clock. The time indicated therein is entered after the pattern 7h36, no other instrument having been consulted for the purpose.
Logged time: 6h20
